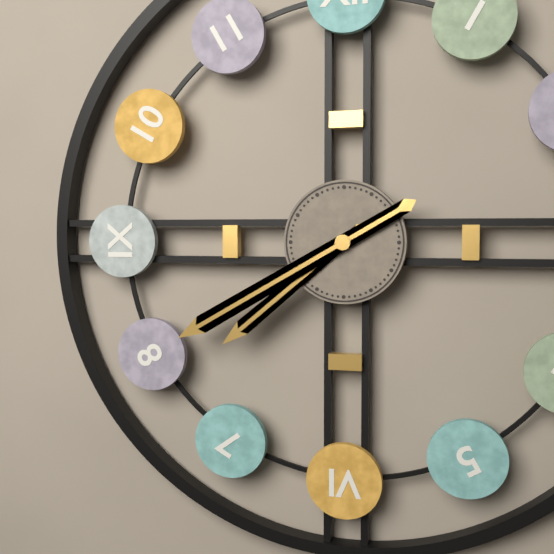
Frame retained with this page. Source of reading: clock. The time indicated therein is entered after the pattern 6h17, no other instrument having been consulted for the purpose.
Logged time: 7h40
